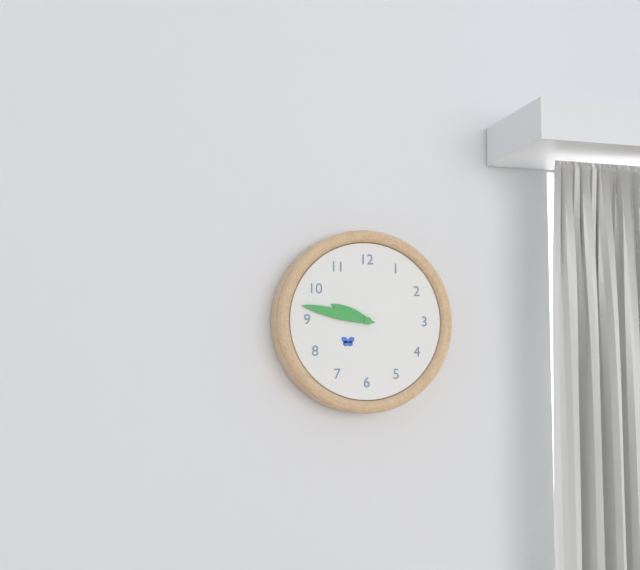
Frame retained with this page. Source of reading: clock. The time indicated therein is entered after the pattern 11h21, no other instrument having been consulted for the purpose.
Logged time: 9h47
